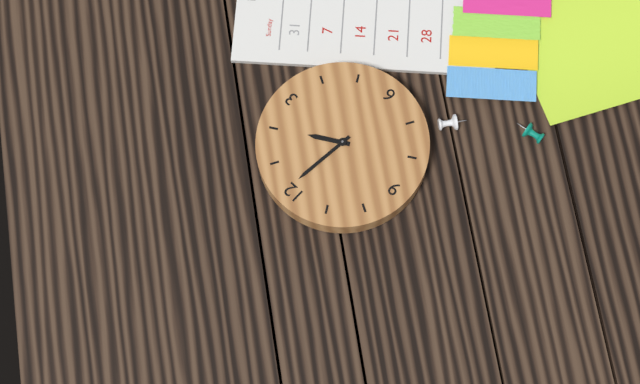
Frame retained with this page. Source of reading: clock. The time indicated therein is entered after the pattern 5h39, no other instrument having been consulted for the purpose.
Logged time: 2h01
